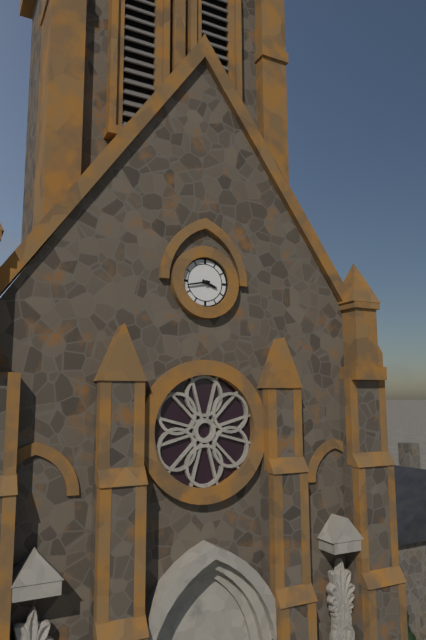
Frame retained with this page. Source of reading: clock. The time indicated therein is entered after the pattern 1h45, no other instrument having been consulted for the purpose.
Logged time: 3h43
